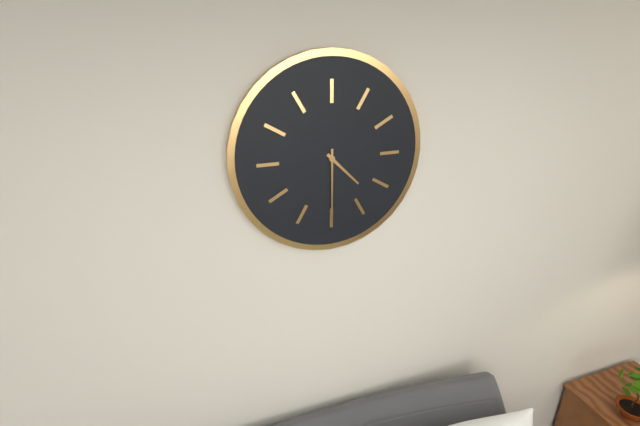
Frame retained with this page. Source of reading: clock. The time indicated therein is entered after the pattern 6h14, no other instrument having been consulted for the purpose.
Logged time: 4h30
